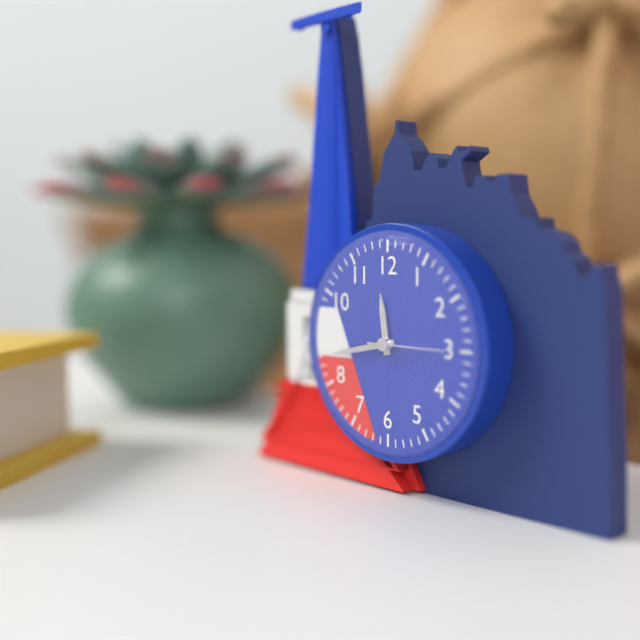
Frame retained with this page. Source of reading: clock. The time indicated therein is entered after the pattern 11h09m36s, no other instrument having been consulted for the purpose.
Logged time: 11h43m15s
